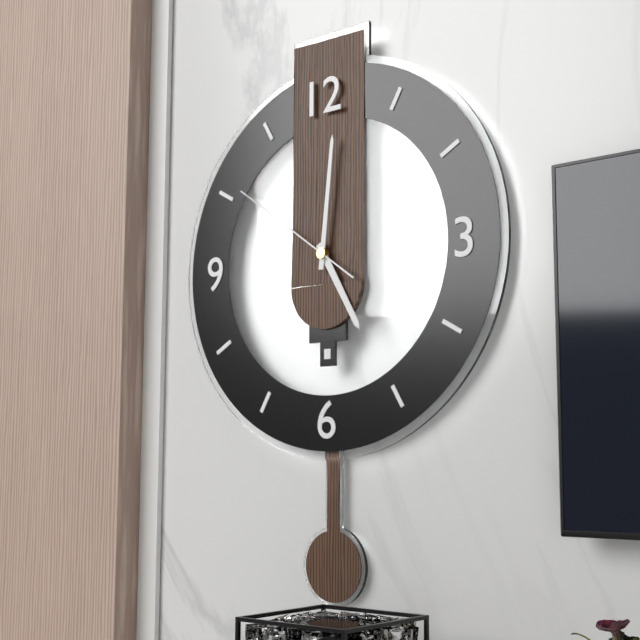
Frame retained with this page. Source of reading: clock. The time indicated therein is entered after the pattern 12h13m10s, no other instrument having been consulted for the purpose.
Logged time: 5h01m51s
